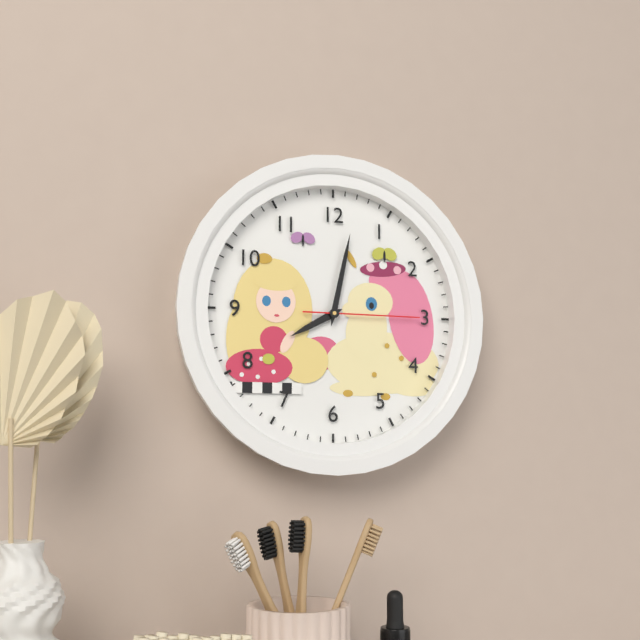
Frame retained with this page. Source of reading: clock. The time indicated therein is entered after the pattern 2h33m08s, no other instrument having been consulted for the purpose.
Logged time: 8h02m15s
